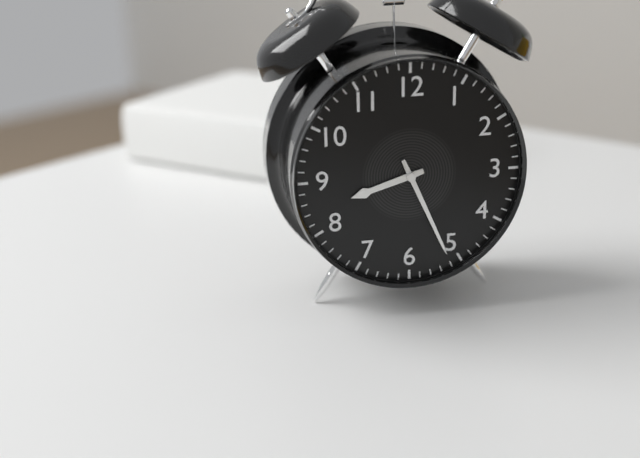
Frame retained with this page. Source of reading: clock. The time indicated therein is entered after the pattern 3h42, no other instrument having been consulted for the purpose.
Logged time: 8h26
